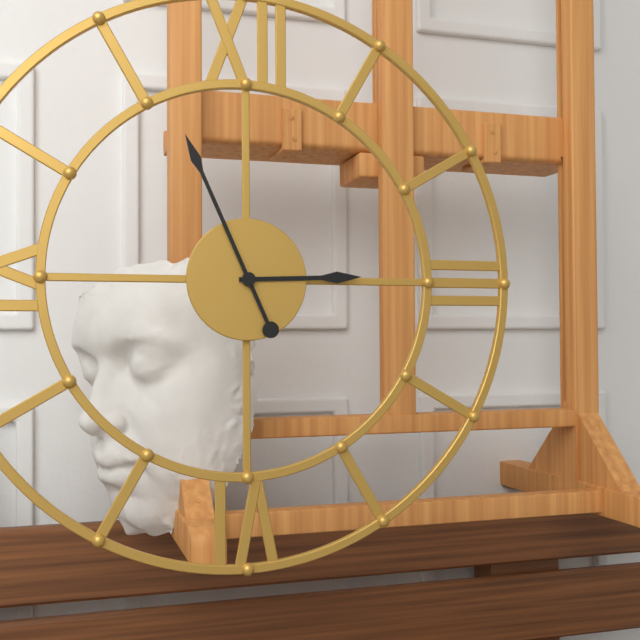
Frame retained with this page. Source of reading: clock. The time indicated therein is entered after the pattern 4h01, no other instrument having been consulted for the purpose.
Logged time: 2h56
